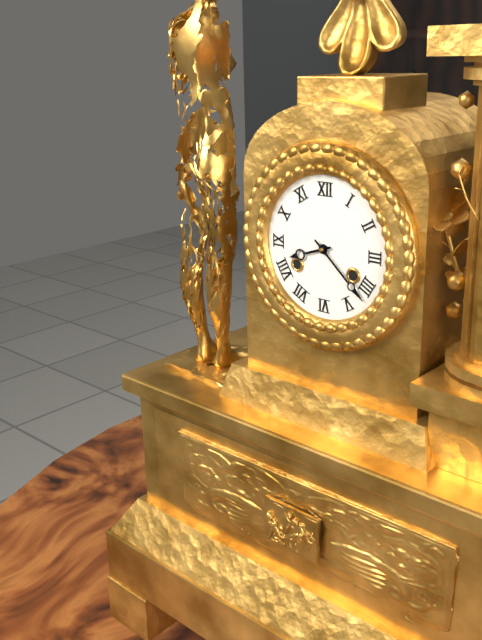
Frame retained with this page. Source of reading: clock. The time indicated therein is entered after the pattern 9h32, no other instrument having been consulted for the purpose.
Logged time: 8h22
